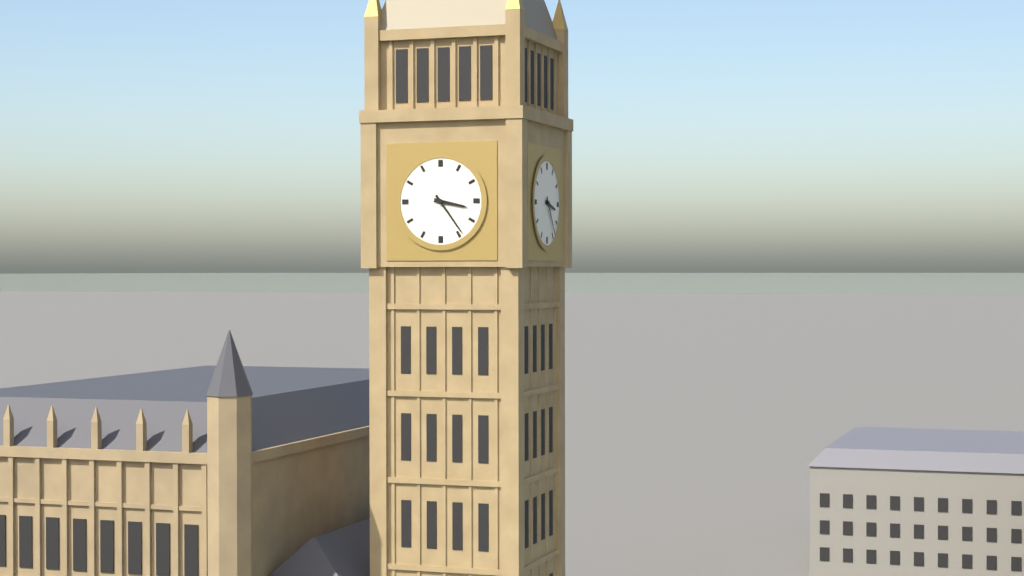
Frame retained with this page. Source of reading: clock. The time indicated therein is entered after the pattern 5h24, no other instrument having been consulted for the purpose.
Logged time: 3h24
